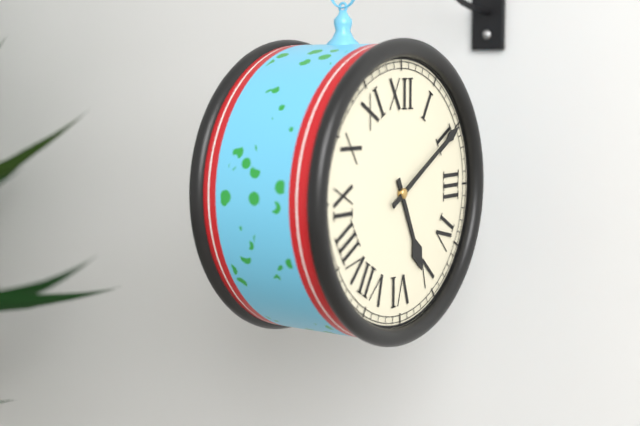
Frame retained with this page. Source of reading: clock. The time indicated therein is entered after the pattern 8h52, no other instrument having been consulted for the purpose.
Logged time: 5h10
